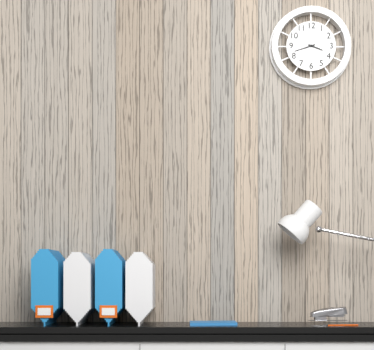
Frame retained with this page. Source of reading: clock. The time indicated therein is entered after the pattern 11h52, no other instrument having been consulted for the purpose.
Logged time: 3h42
